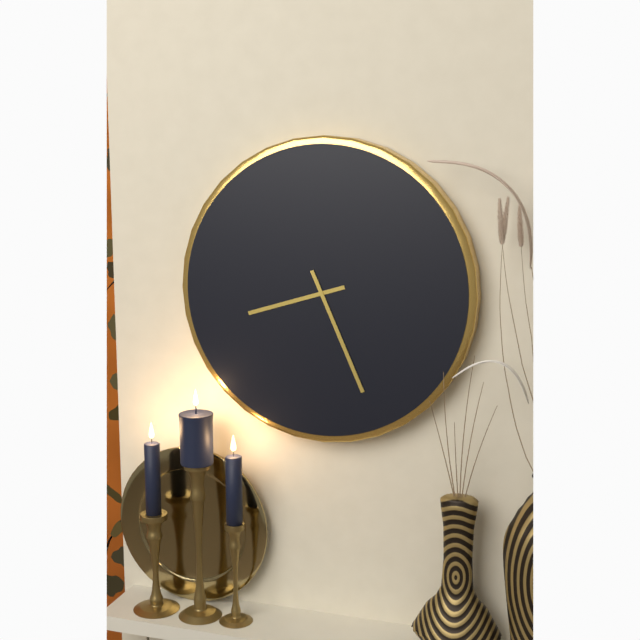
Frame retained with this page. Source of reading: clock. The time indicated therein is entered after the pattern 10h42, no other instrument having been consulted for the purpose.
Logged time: 8h26
